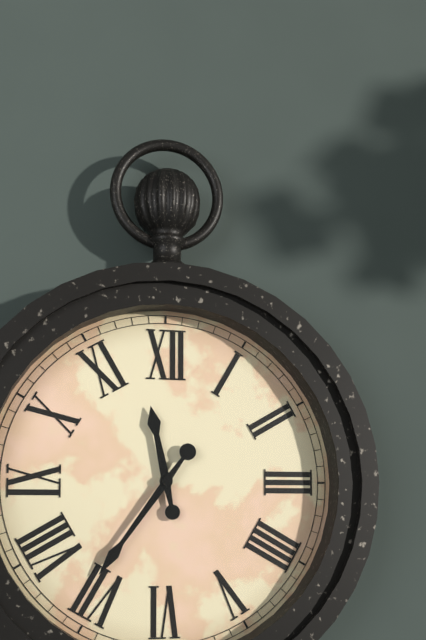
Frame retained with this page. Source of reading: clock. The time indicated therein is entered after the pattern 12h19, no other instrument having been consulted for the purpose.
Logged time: 11h36
